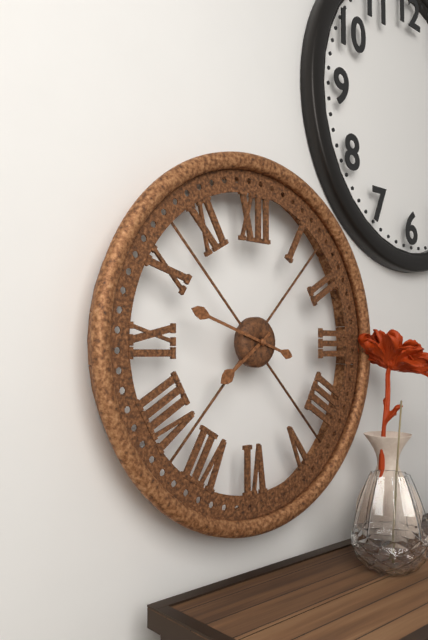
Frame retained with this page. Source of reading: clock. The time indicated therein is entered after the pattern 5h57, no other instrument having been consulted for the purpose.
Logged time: 7h48
